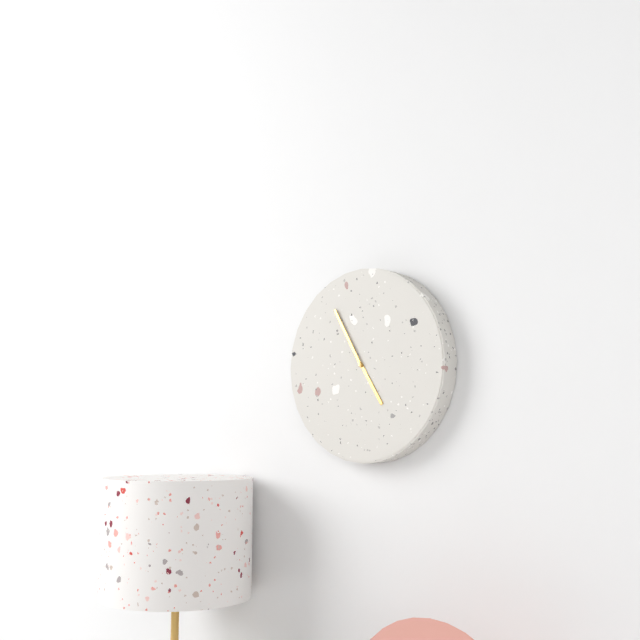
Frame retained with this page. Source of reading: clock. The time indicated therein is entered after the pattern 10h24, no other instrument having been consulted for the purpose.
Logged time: 4h55
